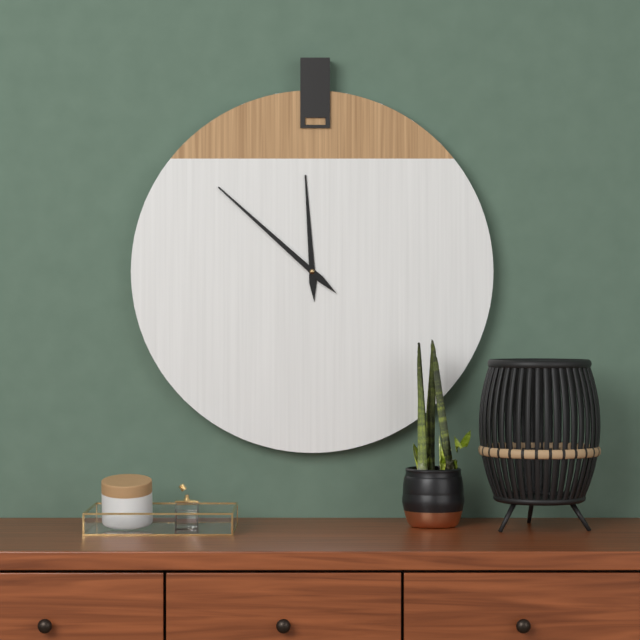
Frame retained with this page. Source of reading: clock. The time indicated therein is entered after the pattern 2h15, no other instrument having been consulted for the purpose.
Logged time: 11h52
